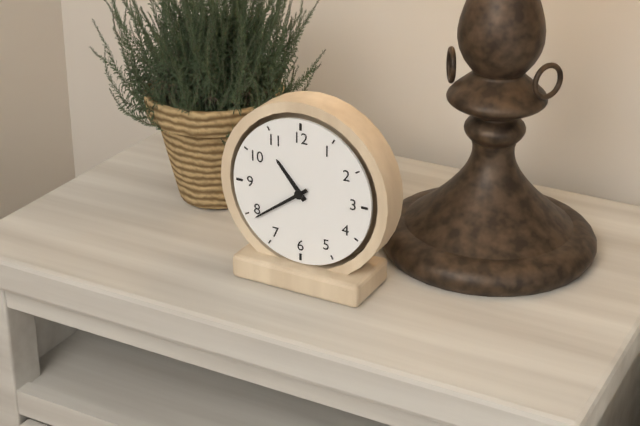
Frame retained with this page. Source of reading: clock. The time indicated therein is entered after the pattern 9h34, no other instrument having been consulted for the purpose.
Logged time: 10h39
